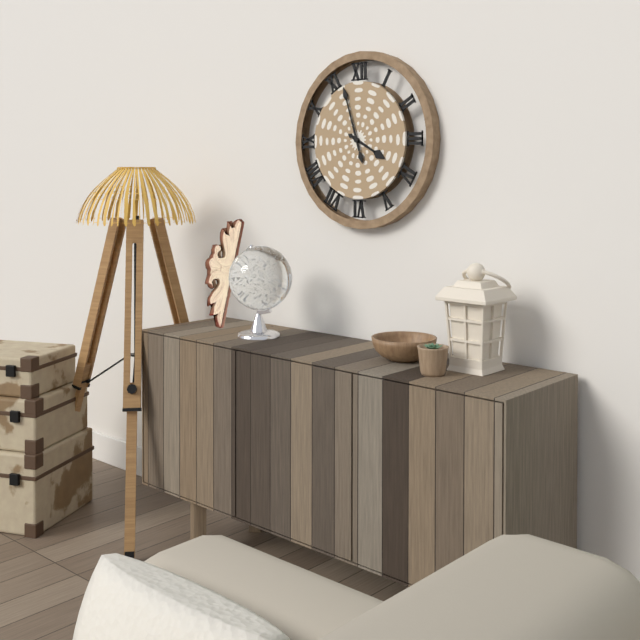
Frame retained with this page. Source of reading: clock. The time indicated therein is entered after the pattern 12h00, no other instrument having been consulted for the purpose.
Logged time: 3h57
